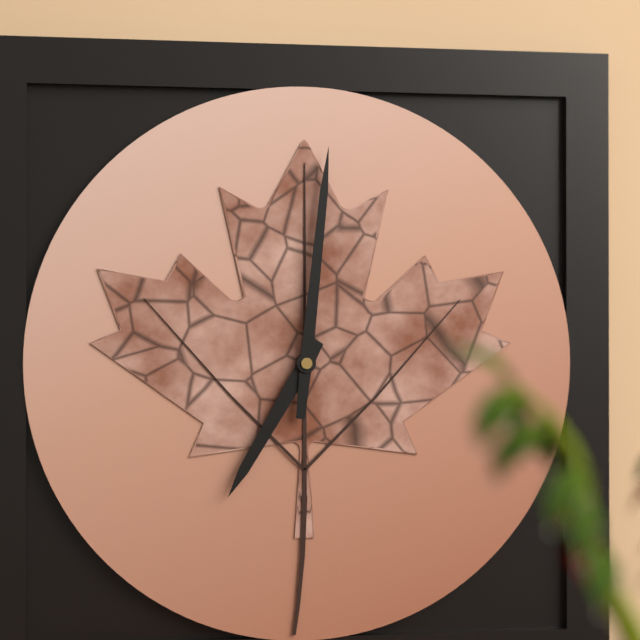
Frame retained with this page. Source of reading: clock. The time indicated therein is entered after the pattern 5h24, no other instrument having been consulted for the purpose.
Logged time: 7h01
